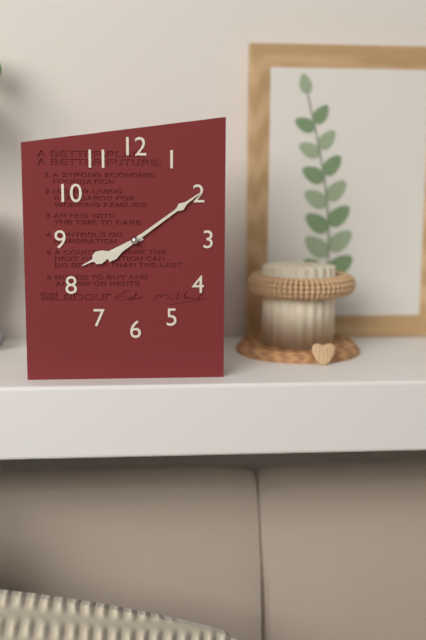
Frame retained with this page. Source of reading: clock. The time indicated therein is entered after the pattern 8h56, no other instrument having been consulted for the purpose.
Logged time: 8h09
